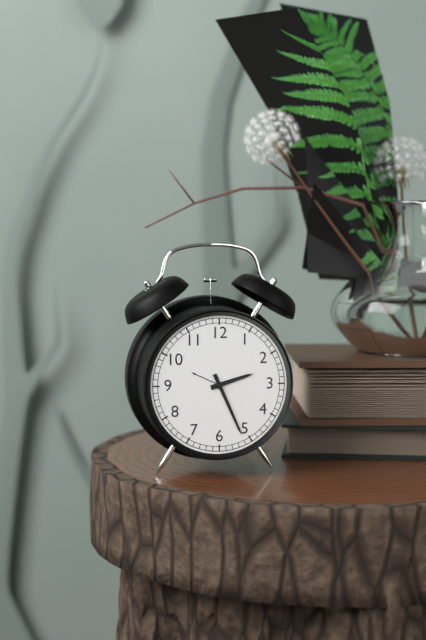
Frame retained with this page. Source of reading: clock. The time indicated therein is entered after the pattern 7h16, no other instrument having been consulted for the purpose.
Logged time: 2h26
